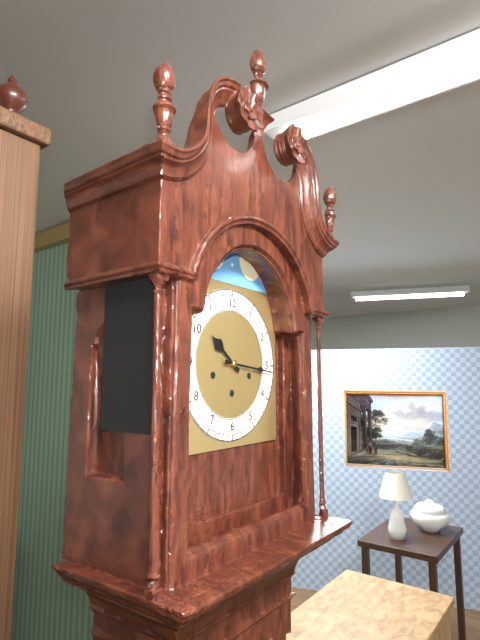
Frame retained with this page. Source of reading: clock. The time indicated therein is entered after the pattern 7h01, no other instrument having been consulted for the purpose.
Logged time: 10h16
